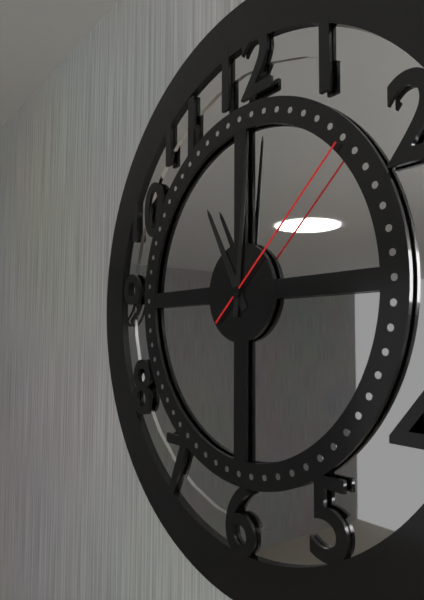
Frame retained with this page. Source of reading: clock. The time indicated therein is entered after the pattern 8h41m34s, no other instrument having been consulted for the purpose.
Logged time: 11h01m08s
